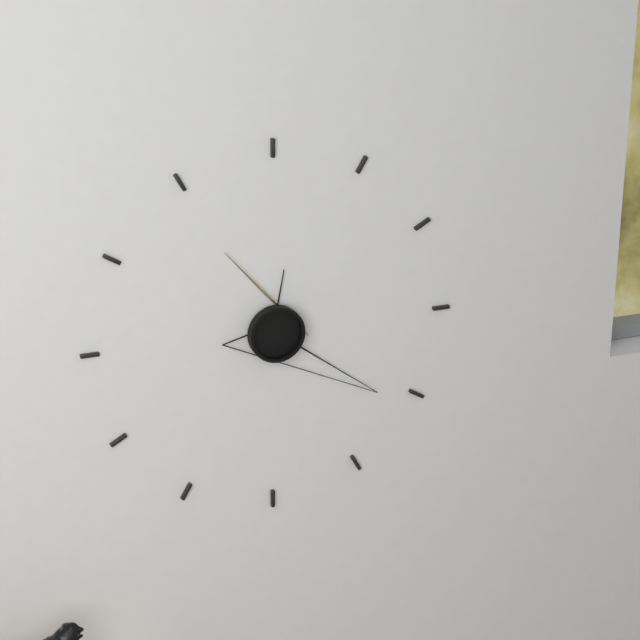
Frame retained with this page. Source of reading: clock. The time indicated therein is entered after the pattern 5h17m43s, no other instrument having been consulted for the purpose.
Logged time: 12h21m55s
